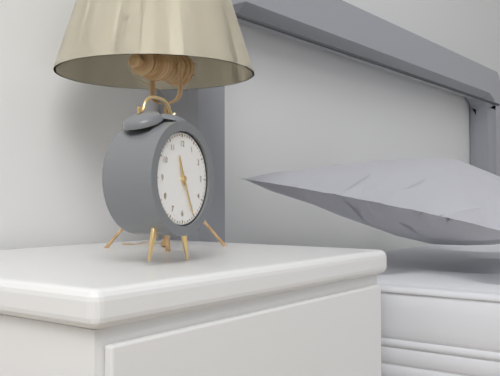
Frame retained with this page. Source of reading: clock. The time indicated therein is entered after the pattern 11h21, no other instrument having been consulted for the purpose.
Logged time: 11h26
